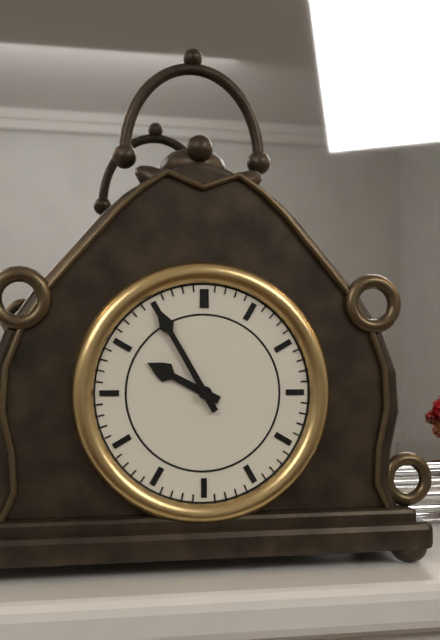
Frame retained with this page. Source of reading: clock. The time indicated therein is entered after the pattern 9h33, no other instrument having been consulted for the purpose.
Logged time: 9h55
